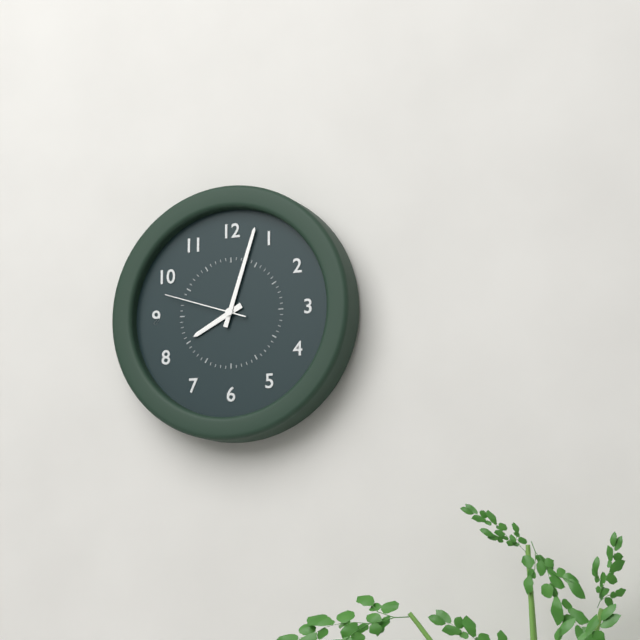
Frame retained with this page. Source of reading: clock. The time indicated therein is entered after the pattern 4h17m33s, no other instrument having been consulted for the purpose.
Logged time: 8h03m48s
